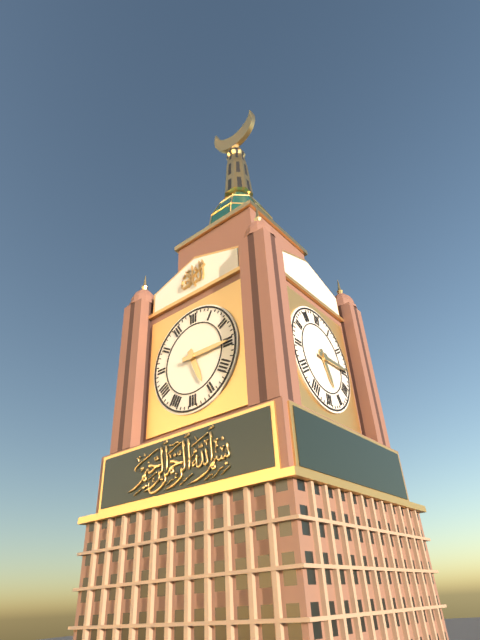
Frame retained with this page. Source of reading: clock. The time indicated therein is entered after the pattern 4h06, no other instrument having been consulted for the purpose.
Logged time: 5h15
